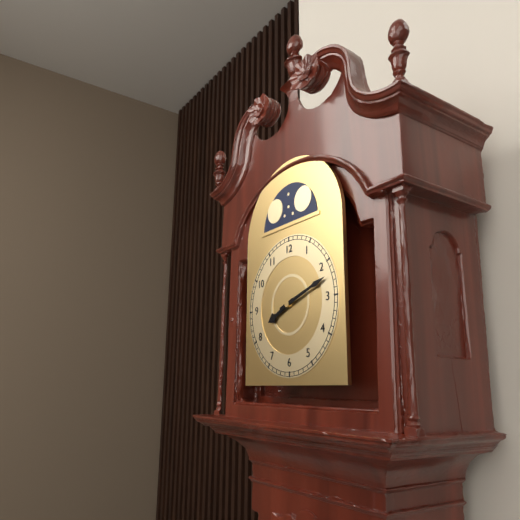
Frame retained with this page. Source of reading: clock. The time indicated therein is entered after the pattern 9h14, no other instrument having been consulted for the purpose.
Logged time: 8h12
